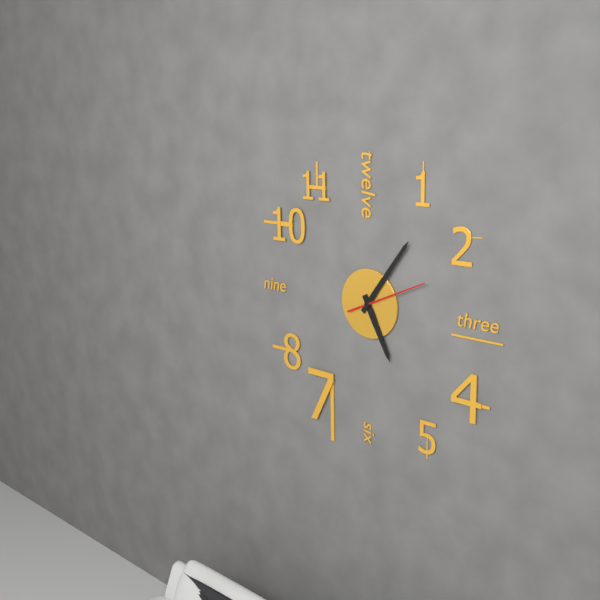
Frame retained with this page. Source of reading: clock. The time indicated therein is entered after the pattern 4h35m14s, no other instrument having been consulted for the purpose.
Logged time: 5h06m11s
